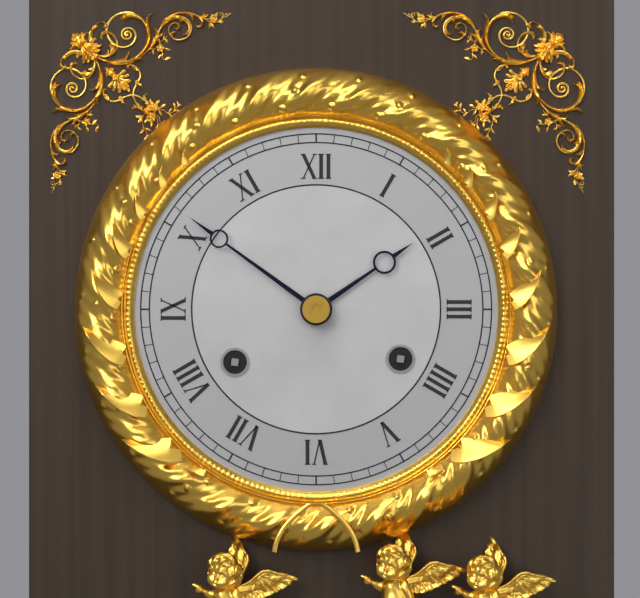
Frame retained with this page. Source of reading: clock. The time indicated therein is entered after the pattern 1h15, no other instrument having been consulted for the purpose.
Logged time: 1h51
